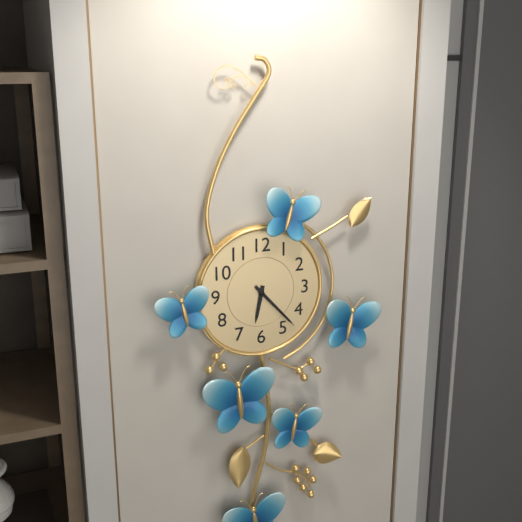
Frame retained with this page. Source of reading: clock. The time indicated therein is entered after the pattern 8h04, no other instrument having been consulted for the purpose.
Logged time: 6h23
